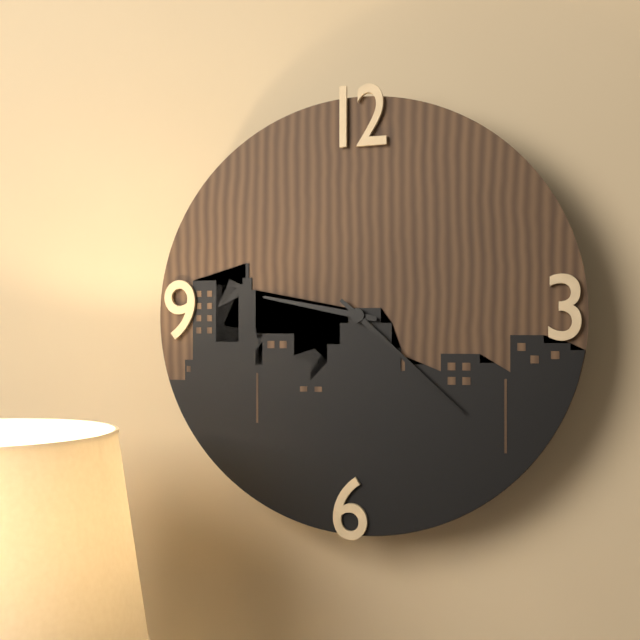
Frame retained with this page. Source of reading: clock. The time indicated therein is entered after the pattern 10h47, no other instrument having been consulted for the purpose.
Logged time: 9h22
